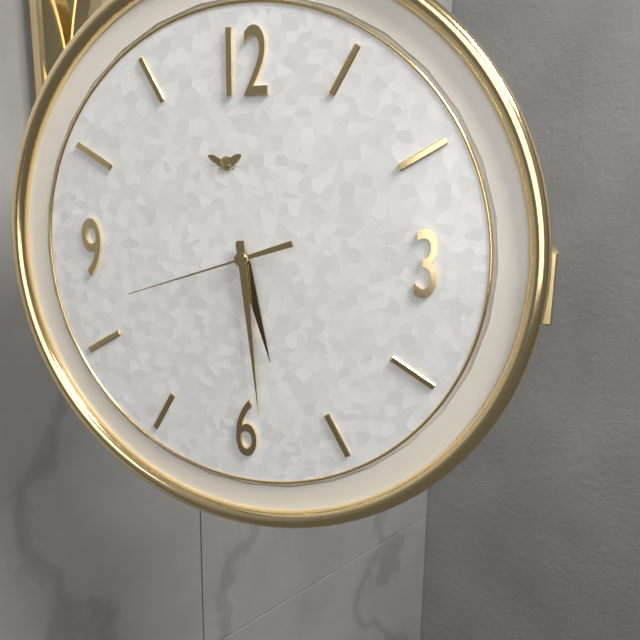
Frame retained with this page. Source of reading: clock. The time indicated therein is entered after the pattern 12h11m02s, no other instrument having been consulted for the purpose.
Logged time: 5h29m42s
